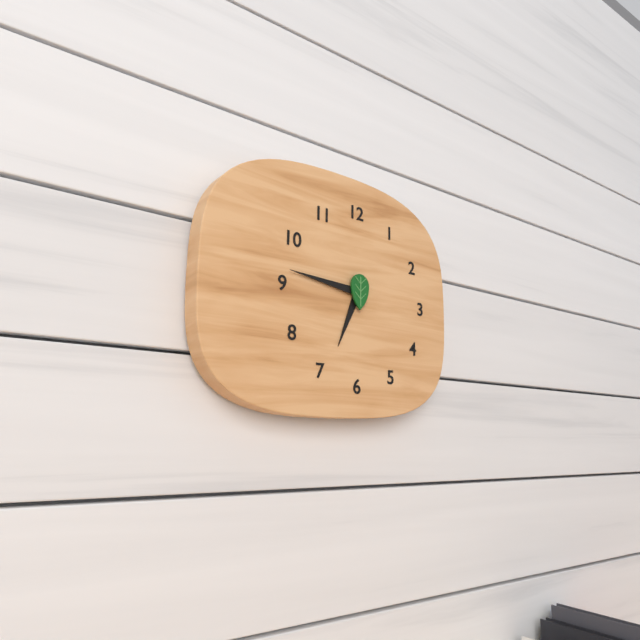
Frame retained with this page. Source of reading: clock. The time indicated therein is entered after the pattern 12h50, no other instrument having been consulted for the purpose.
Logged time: 6h46
